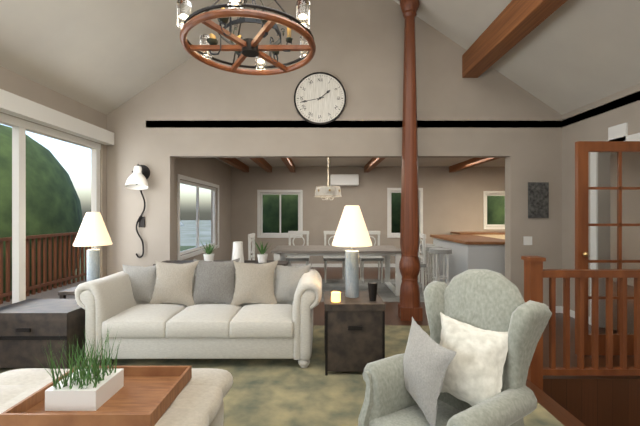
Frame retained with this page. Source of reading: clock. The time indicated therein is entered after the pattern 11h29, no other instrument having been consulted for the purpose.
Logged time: 1h43
